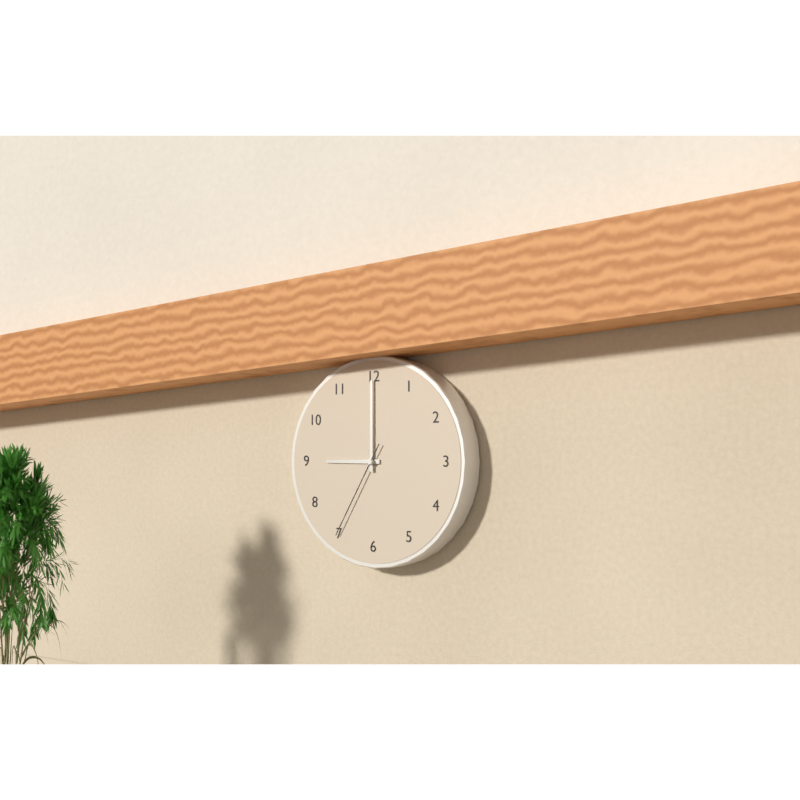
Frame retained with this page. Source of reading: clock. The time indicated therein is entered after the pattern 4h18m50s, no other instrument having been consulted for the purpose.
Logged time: 9h00m35s
